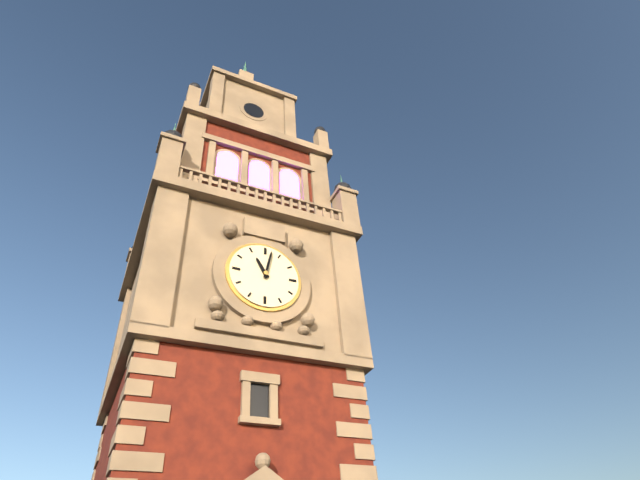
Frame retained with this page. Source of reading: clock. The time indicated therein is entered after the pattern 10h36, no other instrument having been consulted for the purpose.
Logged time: 11h02
